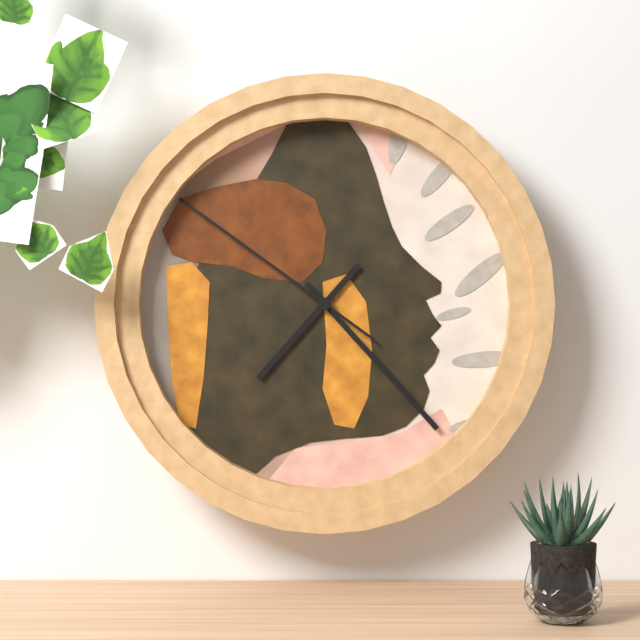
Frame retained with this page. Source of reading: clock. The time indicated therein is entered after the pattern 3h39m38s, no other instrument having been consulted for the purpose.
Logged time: 7h23m51s
